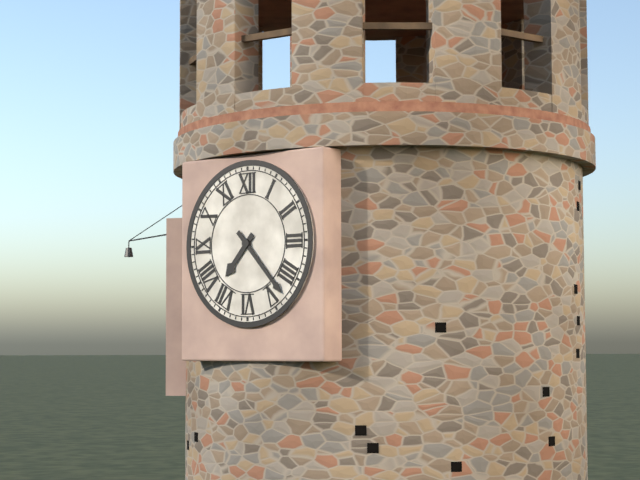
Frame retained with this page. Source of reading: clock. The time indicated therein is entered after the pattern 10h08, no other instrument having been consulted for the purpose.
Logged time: 7h23
